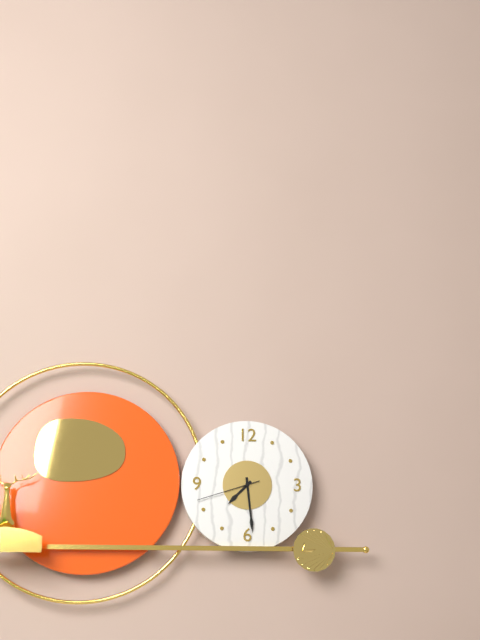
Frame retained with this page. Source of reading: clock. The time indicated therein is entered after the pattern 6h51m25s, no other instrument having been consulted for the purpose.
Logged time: 7h29m42s
